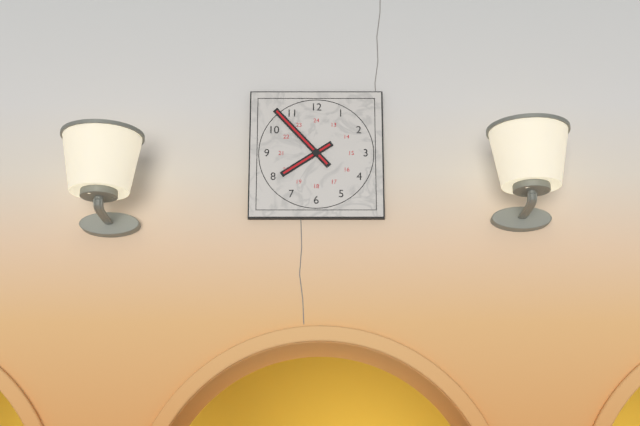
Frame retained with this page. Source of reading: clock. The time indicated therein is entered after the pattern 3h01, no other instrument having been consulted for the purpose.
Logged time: 7h53
